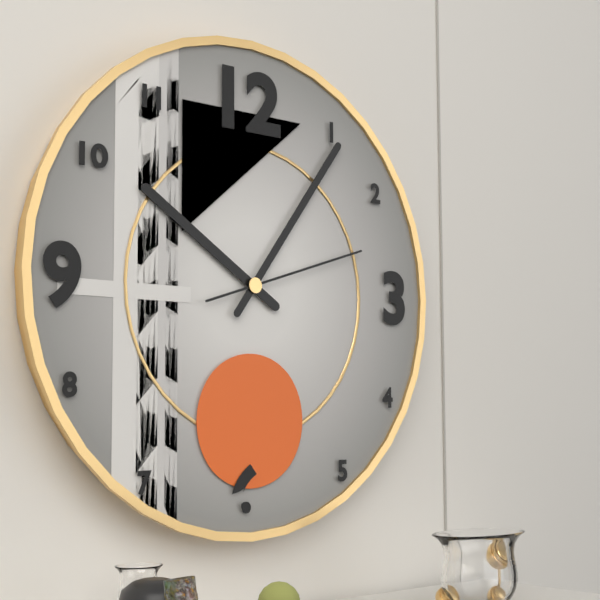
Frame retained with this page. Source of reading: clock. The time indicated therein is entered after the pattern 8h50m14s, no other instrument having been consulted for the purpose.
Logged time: 10h06m12s
